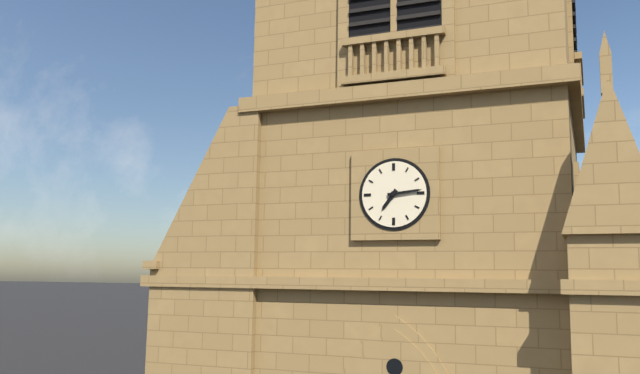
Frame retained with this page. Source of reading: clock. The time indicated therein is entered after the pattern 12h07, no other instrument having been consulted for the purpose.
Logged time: 7h14
